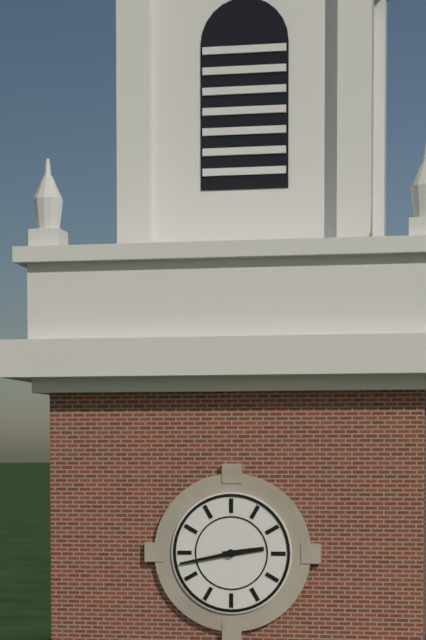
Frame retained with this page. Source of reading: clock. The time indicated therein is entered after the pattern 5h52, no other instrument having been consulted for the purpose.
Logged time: 2h43
